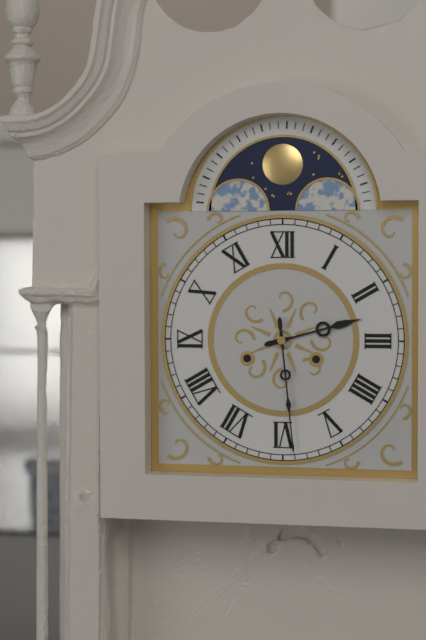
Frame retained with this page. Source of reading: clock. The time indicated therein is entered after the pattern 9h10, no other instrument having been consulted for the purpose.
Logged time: 2h29
